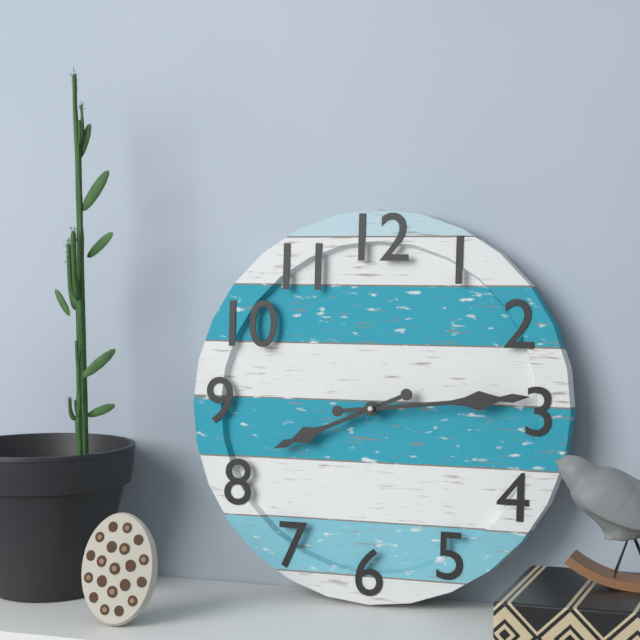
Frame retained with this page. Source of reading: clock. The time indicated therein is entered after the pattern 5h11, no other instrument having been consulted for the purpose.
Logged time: 8h14
